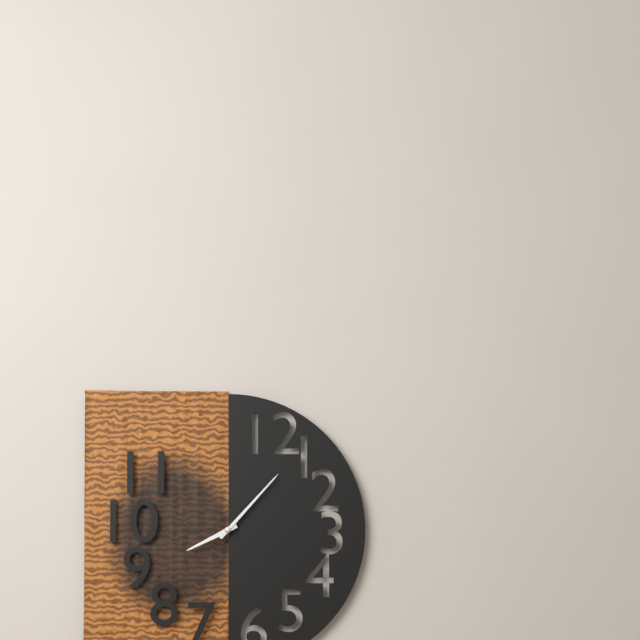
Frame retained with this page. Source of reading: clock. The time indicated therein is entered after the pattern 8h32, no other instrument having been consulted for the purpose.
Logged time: 8h07
